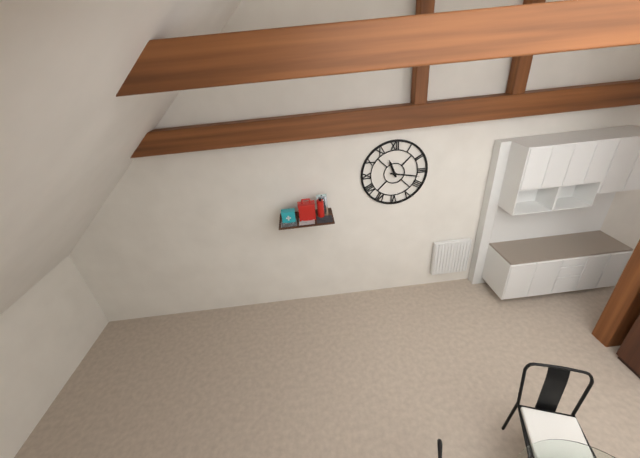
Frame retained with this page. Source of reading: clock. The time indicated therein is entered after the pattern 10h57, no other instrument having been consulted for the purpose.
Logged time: 11h17
